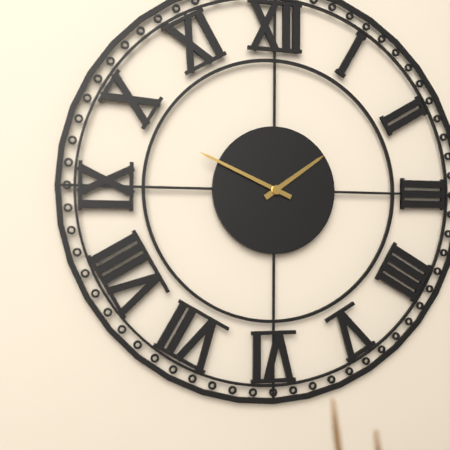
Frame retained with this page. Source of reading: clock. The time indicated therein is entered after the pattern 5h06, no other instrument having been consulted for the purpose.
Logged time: 1h49
